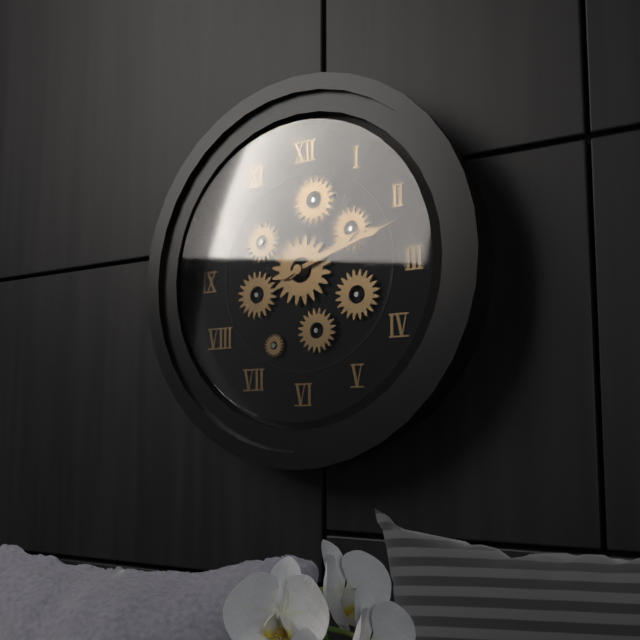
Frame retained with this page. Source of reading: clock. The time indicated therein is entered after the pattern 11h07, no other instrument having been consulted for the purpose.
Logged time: 2h12
